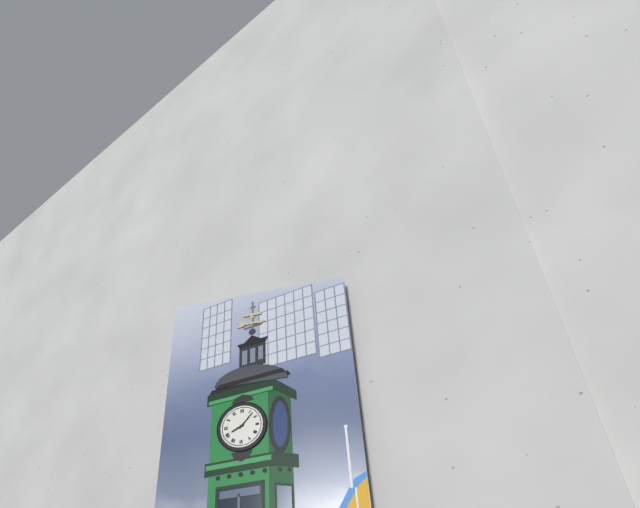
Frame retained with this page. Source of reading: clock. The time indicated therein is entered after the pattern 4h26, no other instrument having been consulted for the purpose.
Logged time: 8h07
